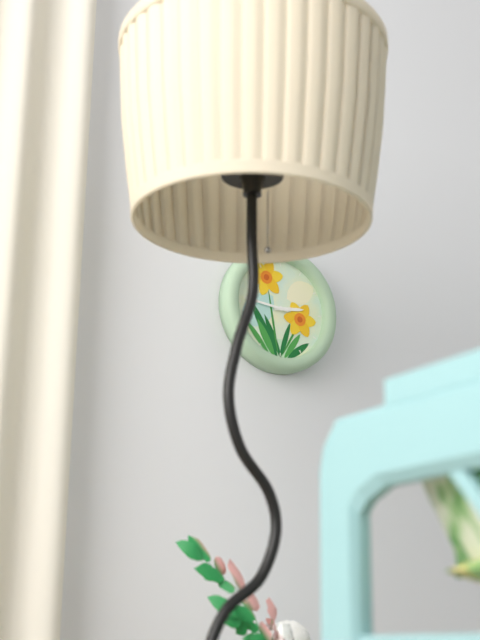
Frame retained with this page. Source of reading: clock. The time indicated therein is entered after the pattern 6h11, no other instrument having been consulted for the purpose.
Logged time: 2h46
